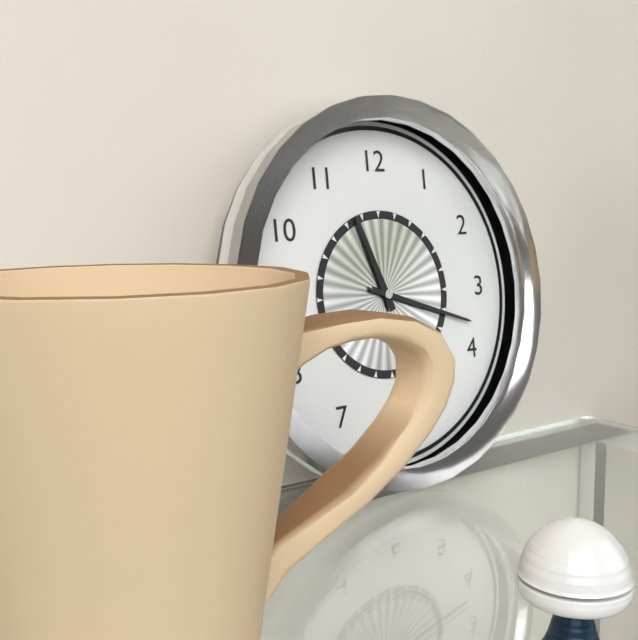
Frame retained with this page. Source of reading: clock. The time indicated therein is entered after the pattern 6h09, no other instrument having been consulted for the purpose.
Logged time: 11h18
